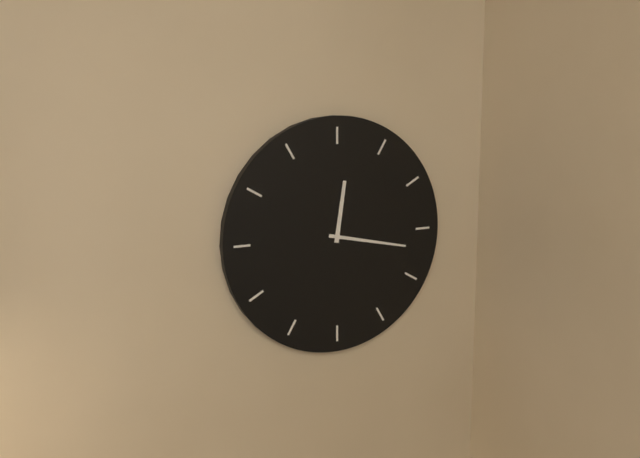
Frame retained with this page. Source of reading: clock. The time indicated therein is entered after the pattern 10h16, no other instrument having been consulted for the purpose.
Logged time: 12h17
